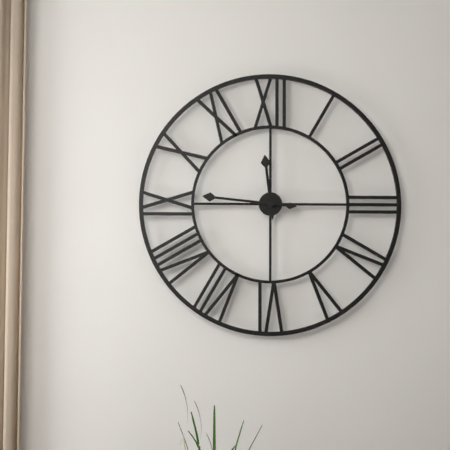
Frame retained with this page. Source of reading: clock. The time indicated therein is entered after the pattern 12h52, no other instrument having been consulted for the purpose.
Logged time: 11h46
